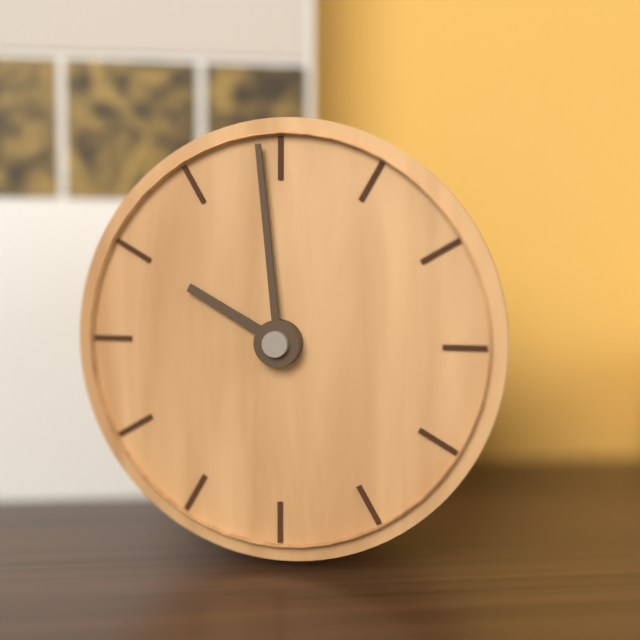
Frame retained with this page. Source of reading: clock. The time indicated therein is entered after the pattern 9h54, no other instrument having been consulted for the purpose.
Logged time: 9h59
